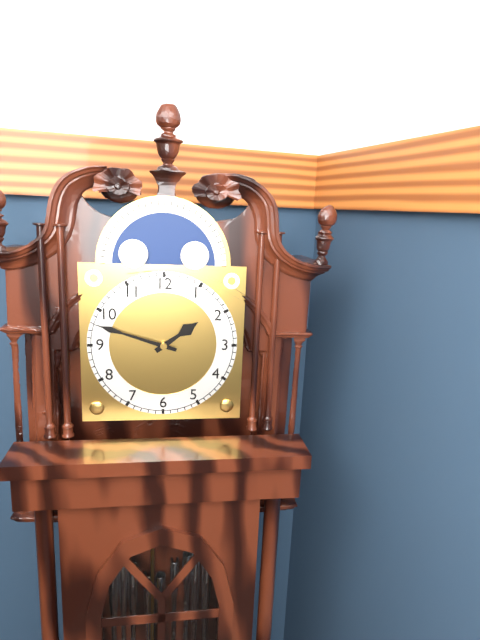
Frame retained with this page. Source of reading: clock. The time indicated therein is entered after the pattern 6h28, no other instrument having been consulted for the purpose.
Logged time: 1h48
